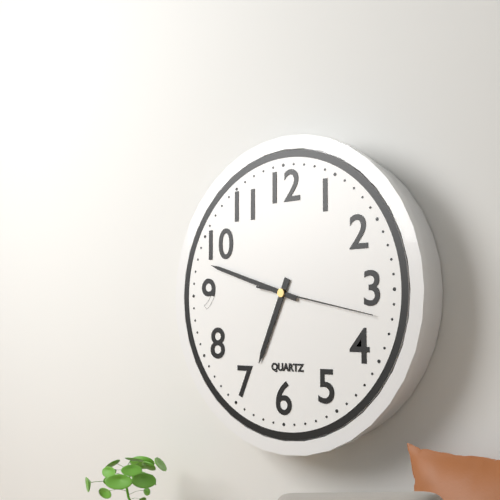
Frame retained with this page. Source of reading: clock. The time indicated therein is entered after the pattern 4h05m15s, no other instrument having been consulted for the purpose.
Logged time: 6h48m17s
